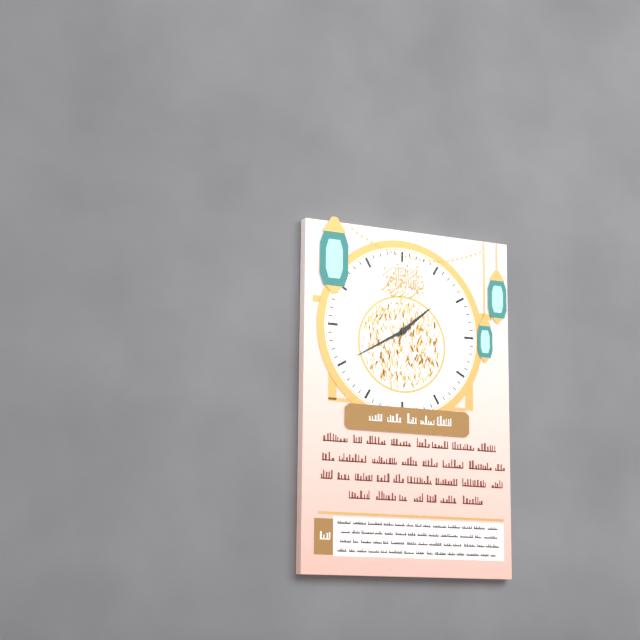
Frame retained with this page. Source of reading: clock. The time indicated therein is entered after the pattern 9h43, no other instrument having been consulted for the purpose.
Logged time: 1h40
